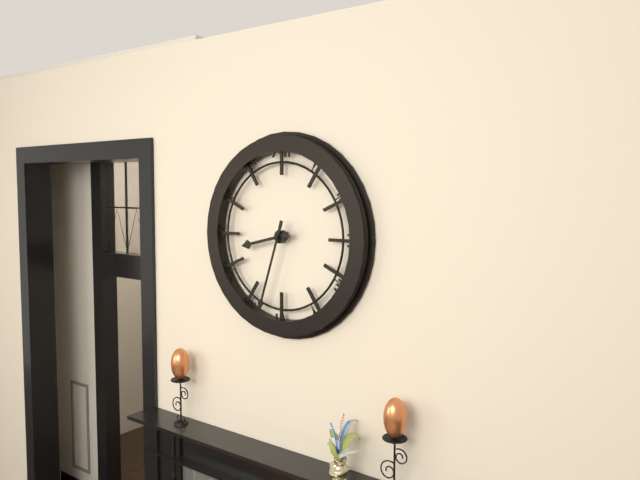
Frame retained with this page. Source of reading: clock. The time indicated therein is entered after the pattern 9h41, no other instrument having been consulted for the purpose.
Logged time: 8h33
